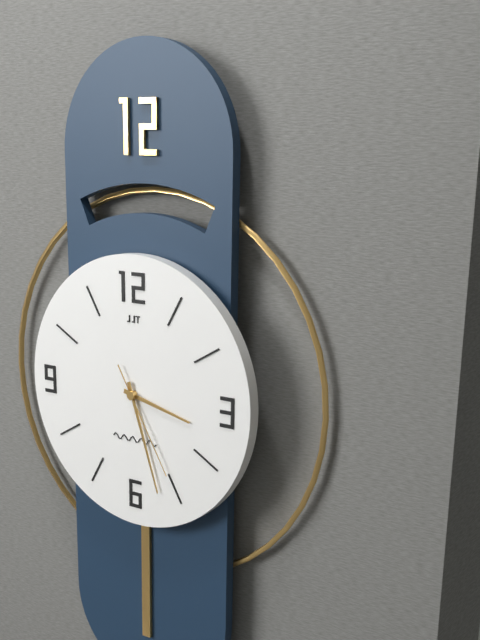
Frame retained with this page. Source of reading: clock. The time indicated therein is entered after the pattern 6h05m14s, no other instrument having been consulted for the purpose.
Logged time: 3h27m25s
